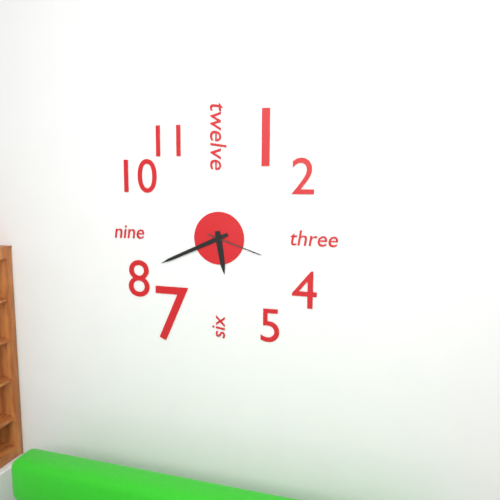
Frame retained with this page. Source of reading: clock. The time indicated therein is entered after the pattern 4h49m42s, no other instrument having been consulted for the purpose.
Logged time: 5h41m18s
